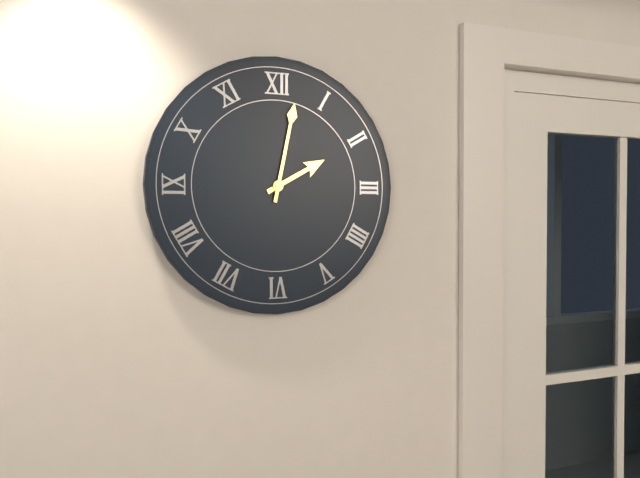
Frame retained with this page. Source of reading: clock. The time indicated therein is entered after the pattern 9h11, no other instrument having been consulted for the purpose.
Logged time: 2h02
